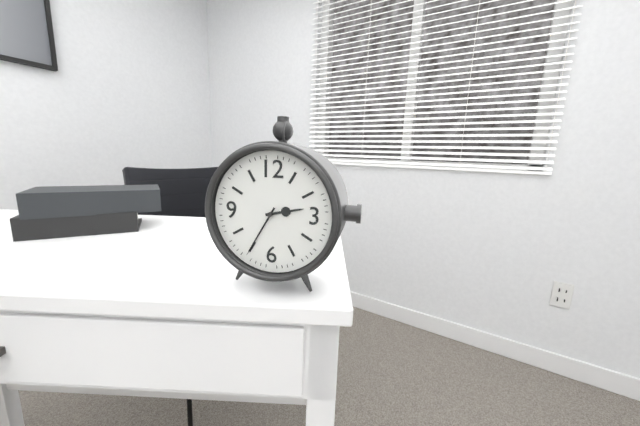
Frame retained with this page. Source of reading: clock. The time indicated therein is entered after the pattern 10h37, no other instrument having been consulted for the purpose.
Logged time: 2h35
